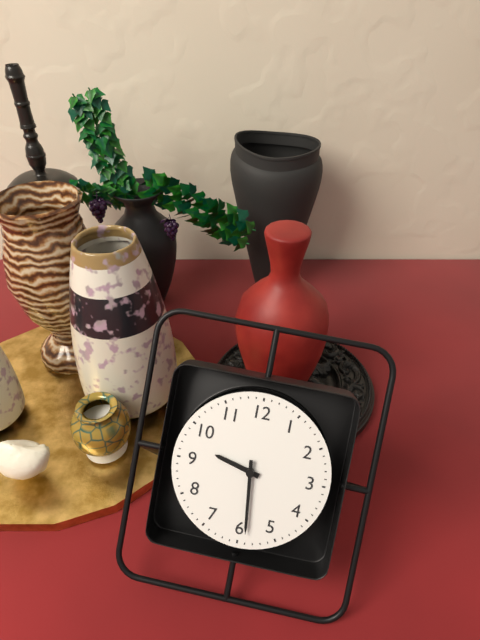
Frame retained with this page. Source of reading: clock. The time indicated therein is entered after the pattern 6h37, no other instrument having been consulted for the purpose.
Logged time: 9h29
